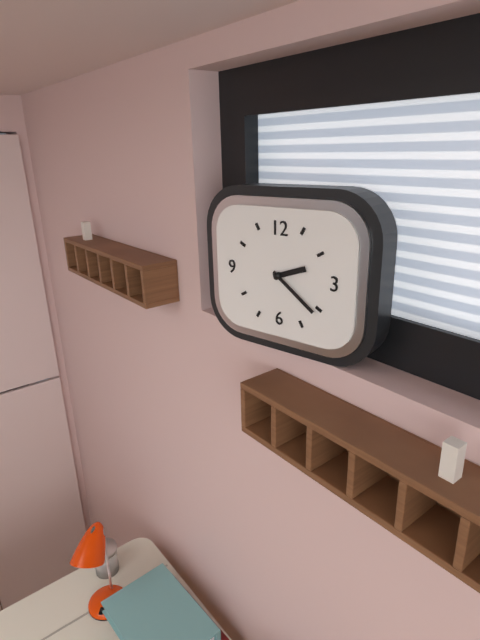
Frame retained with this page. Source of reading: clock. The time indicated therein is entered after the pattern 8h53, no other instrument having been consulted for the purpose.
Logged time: 2h21
